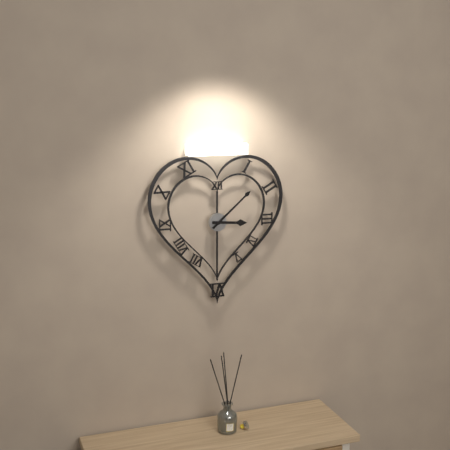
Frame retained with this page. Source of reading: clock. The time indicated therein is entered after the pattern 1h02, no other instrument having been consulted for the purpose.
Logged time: 3h08
